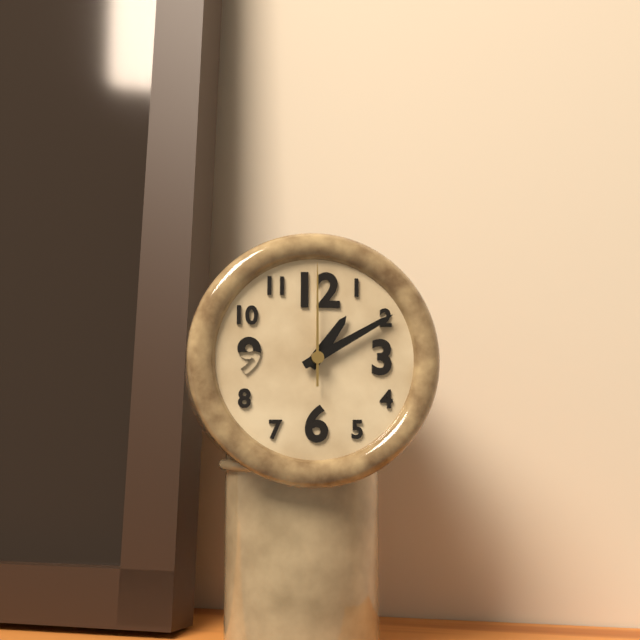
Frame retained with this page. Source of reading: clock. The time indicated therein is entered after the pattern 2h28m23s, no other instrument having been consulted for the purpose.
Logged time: 1h10m00s
